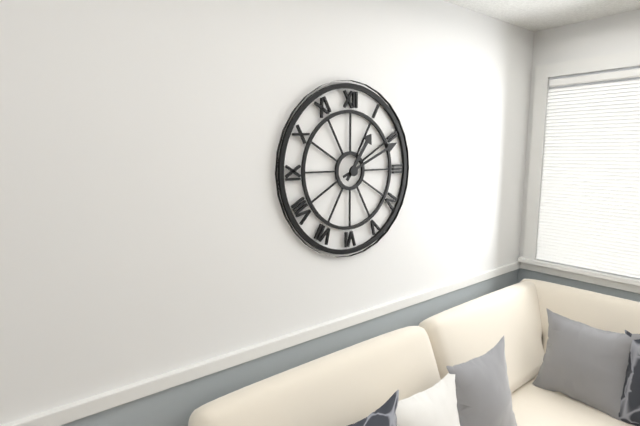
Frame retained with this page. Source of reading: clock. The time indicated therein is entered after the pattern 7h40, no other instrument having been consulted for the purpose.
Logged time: 1h11
